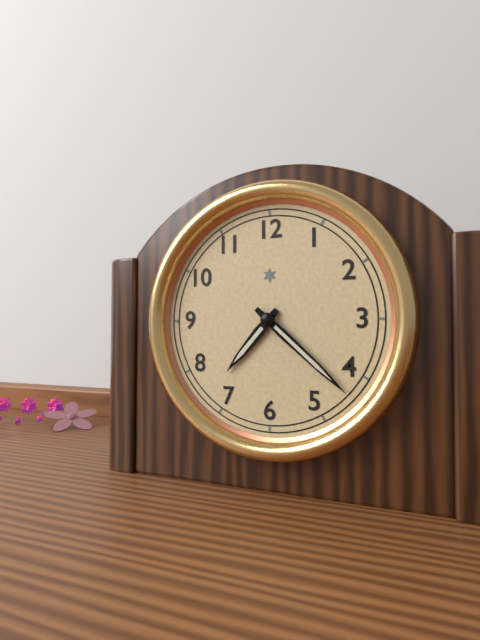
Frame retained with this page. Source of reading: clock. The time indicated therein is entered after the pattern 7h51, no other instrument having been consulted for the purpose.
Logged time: 7h22
